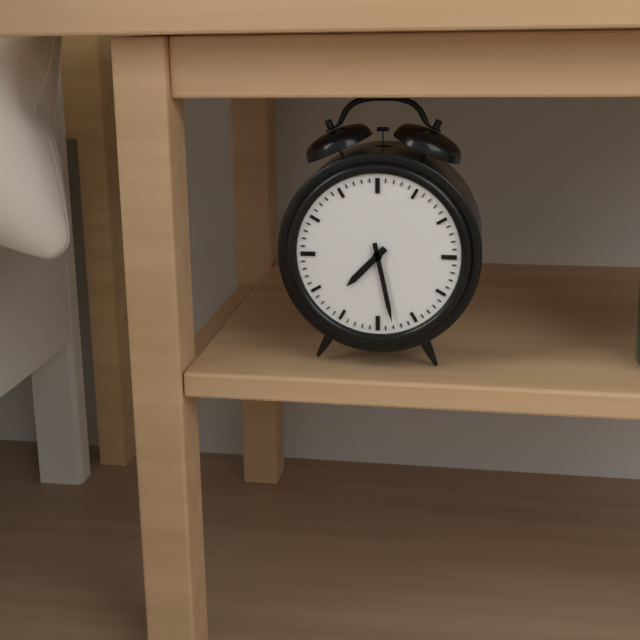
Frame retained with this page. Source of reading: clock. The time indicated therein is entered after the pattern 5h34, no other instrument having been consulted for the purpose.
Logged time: 7h28
